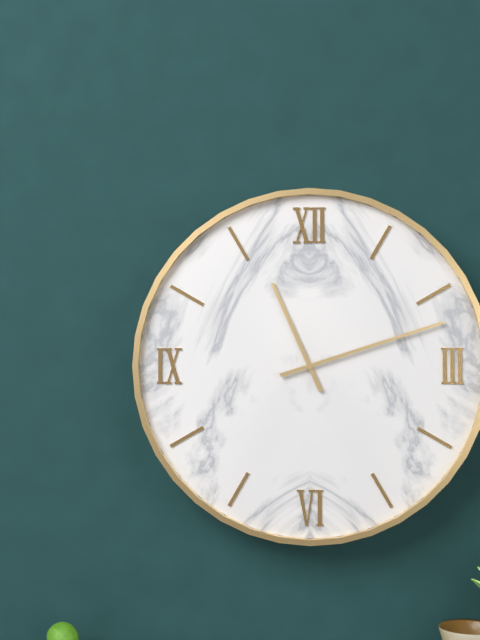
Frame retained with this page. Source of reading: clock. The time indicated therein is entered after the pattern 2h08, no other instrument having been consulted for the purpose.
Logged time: 11h12
